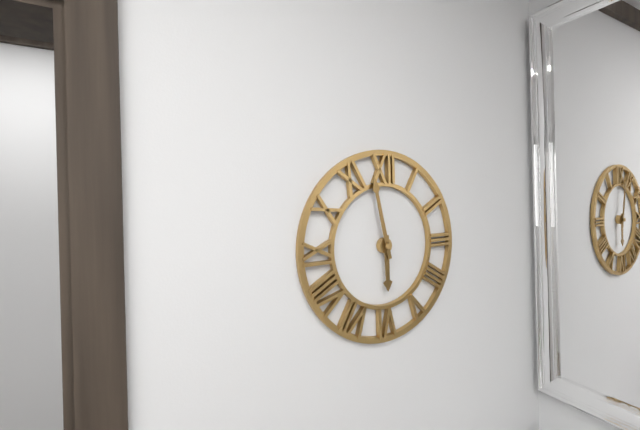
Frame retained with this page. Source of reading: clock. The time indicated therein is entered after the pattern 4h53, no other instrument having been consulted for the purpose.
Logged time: 5h58
